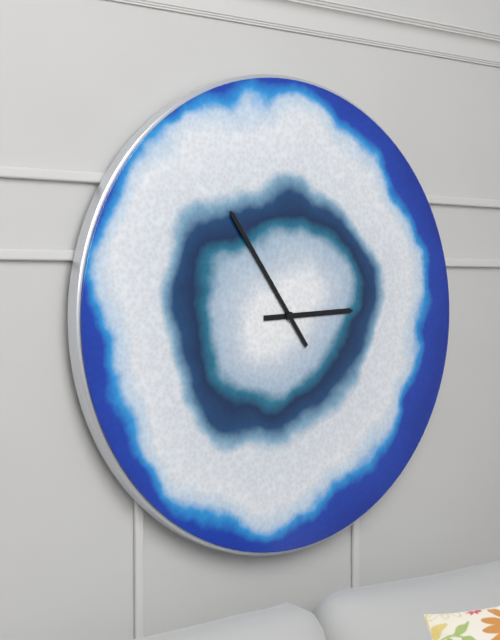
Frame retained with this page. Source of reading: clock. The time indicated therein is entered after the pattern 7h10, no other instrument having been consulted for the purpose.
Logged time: 2h54
